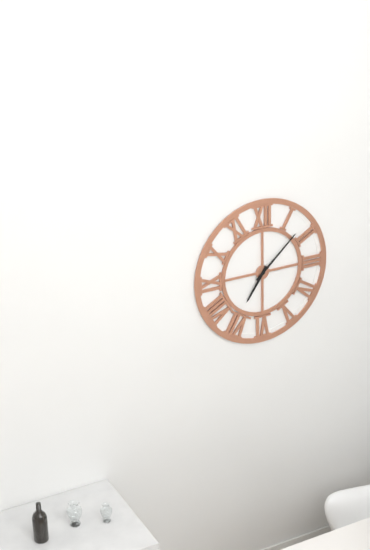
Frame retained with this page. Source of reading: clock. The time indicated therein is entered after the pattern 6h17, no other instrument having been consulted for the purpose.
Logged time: 7h08
